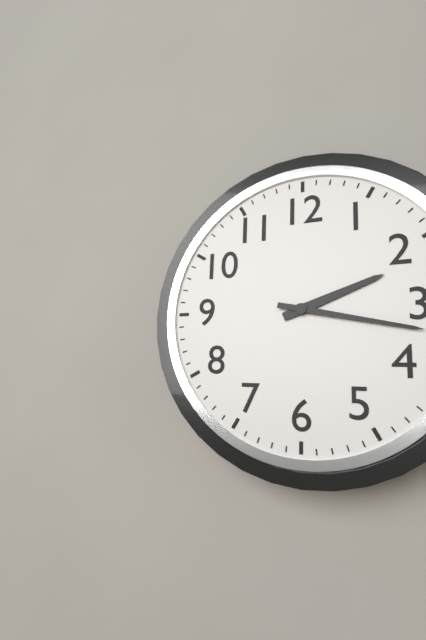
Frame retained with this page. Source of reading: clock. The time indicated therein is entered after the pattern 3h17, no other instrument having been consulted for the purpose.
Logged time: 2h17
